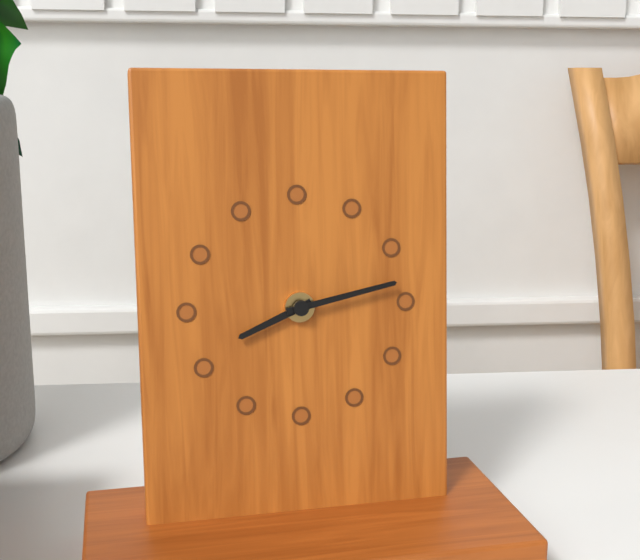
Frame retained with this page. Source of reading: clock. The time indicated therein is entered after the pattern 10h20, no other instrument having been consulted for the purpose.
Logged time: 8h13
